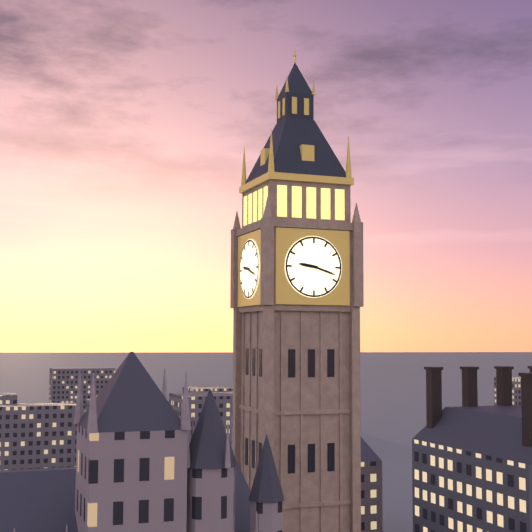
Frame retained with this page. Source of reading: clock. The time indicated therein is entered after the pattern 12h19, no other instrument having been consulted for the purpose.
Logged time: 9h18
